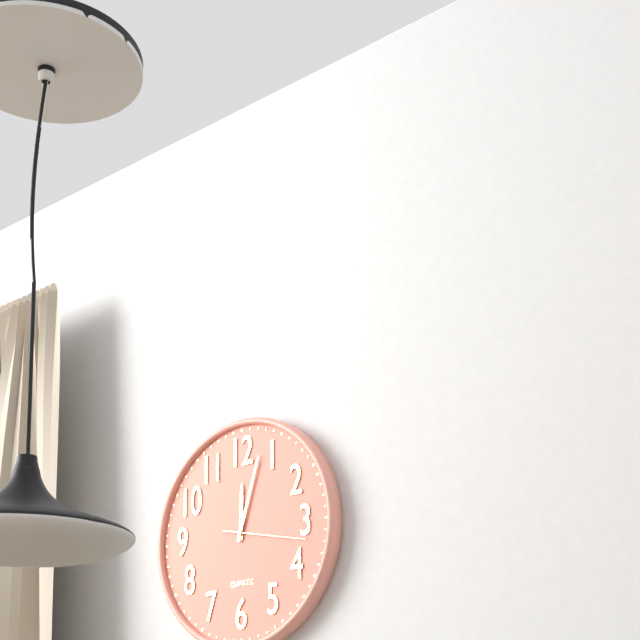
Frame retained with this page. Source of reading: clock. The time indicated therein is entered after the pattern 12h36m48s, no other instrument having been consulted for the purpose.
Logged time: 12h03m17s
